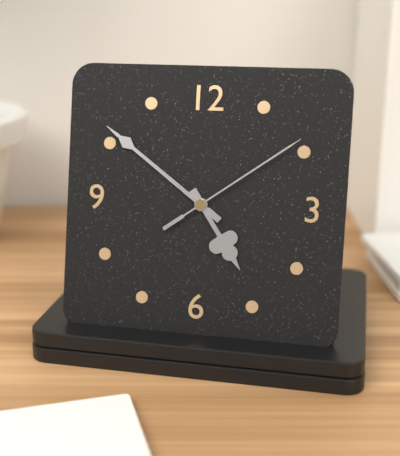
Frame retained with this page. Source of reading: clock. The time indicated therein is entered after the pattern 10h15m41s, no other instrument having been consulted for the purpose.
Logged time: 4h51m09s
